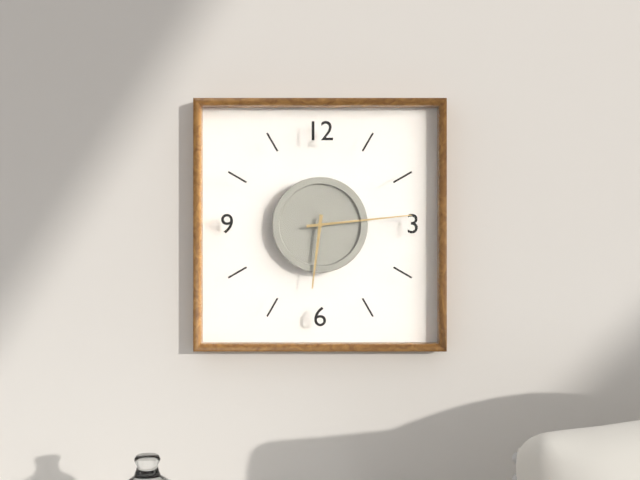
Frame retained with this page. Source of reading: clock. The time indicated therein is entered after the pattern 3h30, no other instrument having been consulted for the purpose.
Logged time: 6h14
